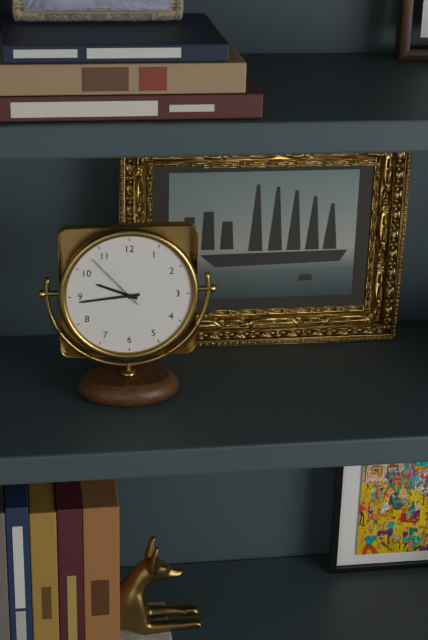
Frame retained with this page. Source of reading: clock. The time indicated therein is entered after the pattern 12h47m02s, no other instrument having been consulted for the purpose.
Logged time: 9h44m53s
